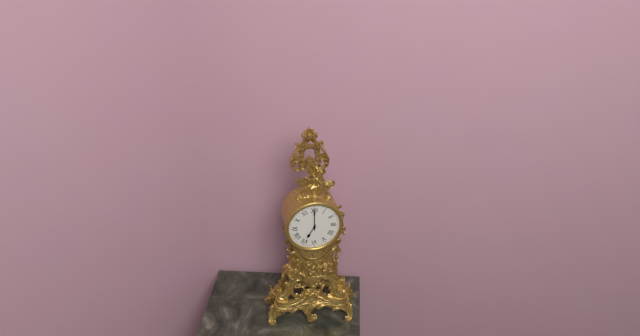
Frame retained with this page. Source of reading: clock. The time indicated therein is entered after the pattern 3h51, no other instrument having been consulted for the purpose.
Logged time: 7h00
